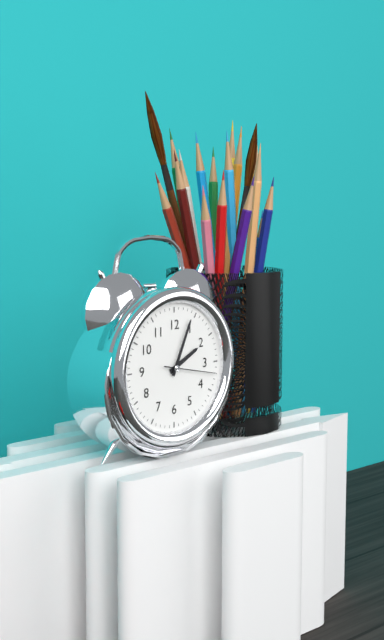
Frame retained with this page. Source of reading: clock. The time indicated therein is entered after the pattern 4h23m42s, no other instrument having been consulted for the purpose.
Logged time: 2h04m17s
